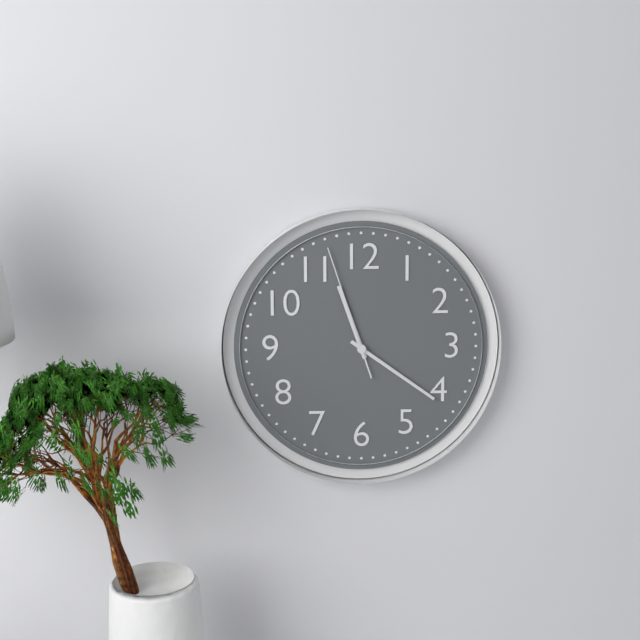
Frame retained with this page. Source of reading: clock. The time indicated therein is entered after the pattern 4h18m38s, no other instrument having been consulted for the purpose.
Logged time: 11h21m57s
